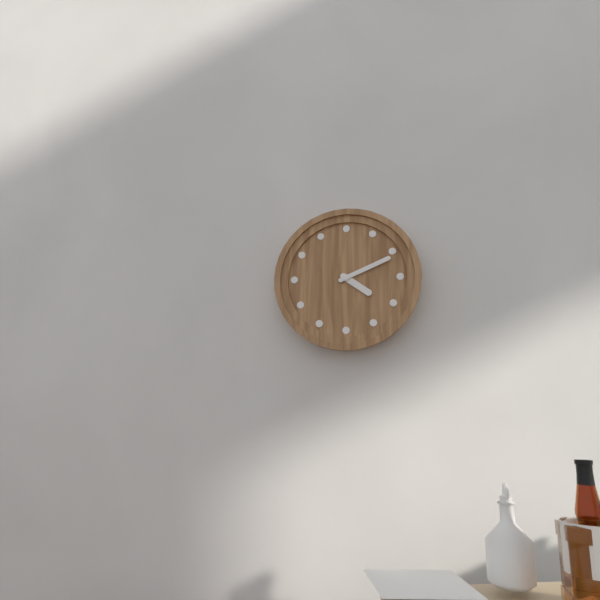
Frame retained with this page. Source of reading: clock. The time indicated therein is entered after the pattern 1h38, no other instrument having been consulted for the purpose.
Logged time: 4h11
